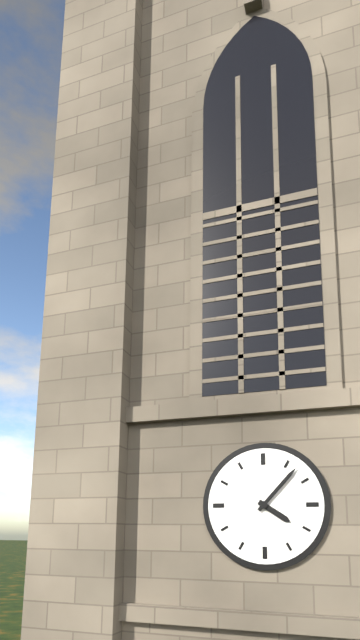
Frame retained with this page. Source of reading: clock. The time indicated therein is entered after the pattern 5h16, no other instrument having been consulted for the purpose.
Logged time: 4h07
